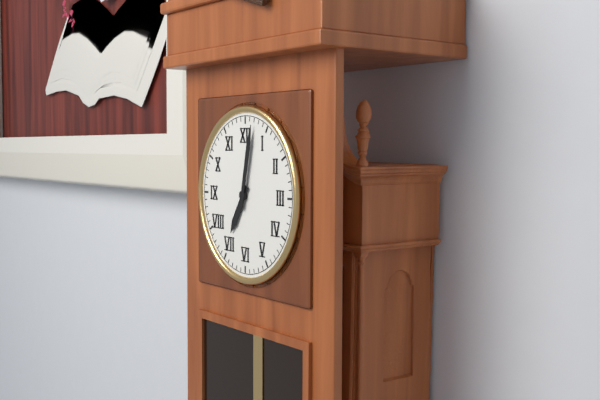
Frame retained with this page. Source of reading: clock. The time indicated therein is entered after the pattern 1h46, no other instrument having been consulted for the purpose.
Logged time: 7h02
